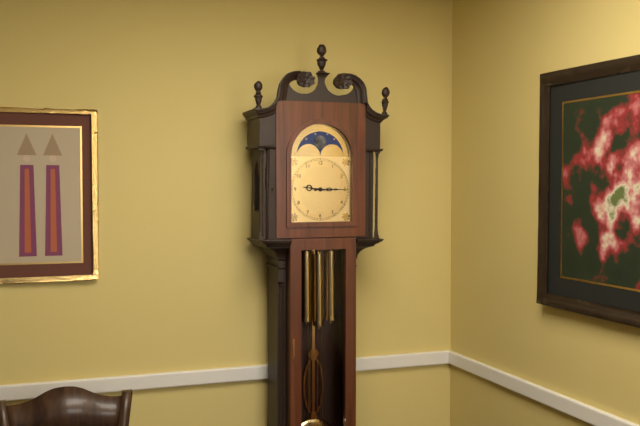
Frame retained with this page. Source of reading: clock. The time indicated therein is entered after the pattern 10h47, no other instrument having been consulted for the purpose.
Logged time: 9h15
